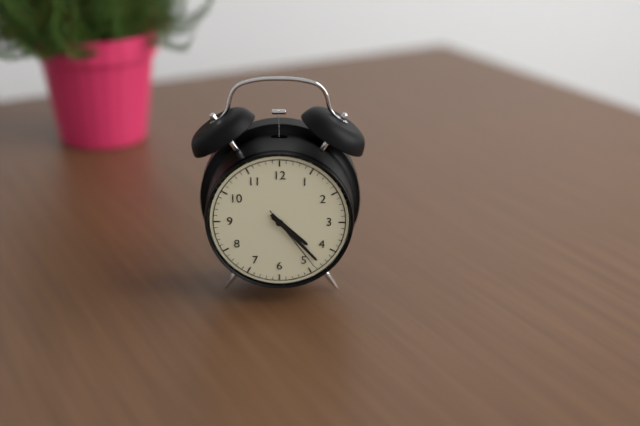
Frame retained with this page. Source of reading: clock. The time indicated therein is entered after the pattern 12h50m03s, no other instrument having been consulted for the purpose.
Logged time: 4h23m24s
